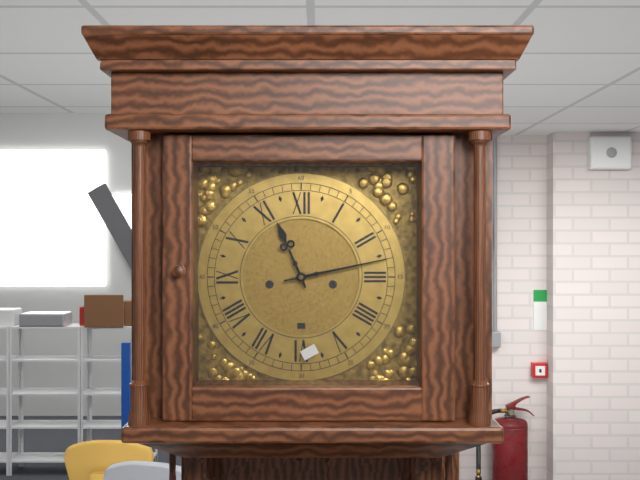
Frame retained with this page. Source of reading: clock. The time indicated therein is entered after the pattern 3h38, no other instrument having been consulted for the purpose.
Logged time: 11h13
